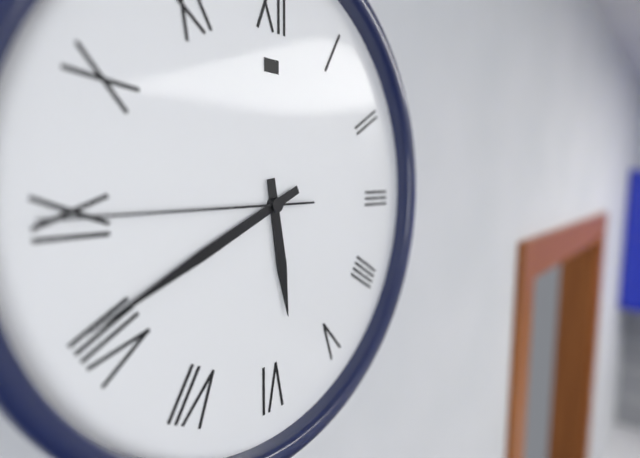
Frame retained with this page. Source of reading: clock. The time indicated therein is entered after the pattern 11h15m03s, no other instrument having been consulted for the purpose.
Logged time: 5h41m45s
